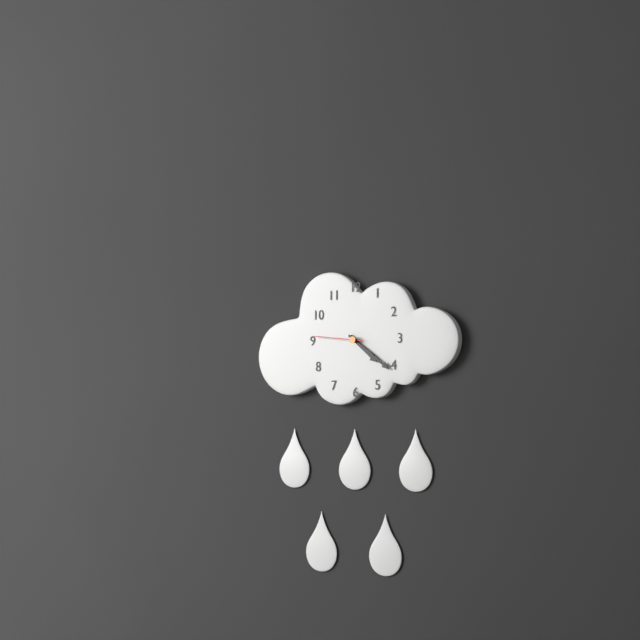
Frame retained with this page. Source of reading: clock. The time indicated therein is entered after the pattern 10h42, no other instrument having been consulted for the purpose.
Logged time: 4h21
